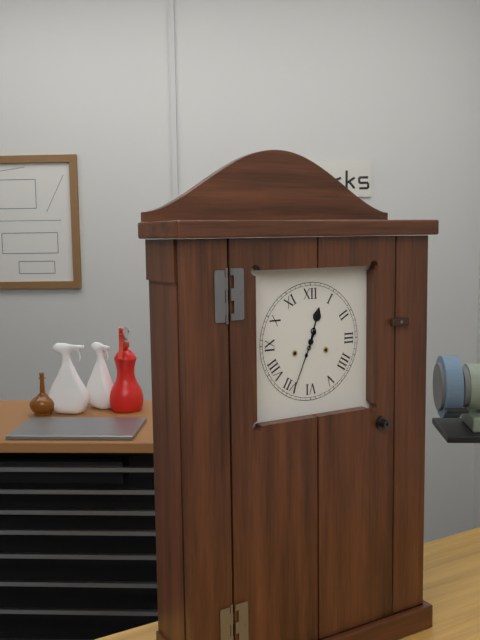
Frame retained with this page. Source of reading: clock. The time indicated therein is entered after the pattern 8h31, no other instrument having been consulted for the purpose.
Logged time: 12h34
